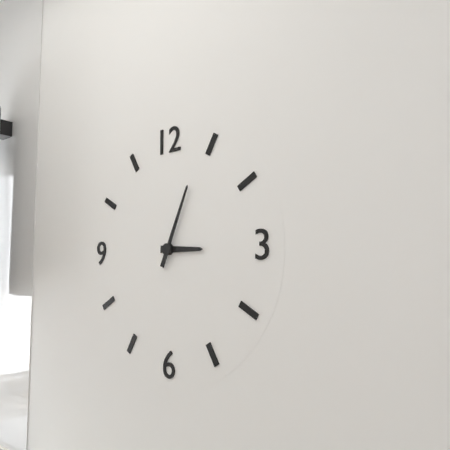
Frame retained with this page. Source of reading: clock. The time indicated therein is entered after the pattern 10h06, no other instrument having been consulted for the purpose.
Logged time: 3h04
